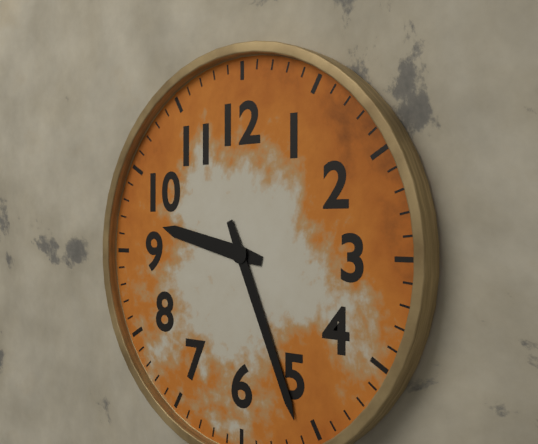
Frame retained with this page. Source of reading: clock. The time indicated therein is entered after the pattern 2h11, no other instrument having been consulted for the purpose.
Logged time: 9h26
